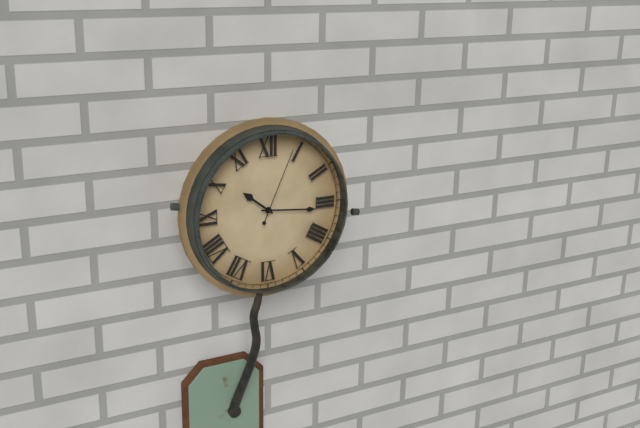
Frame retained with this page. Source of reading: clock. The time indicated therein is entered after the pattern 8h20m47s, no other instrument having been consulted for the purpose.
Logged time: 10h16m04s
